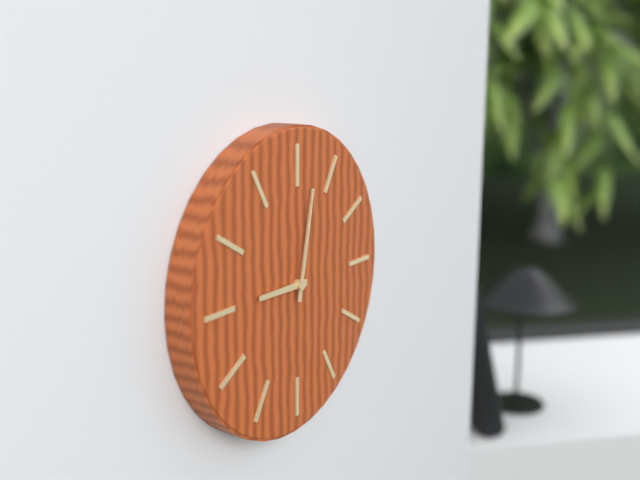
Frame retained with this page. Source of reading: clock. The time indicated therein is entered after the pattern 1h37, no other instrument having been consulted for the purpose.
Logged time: 9h02
